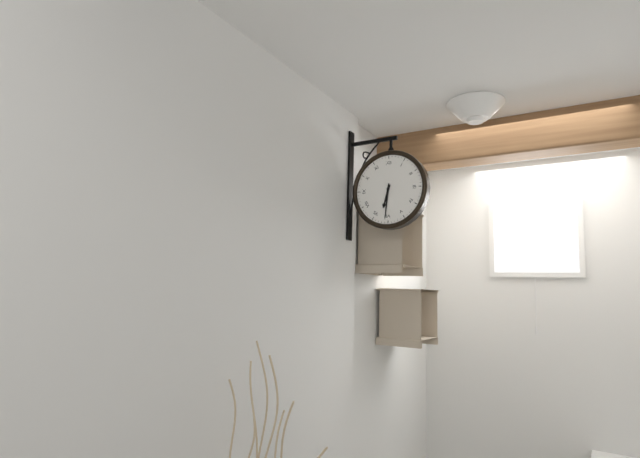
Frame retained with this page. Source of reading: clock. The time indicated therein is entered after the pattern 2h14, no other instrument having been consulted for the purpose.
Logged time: 6h31
